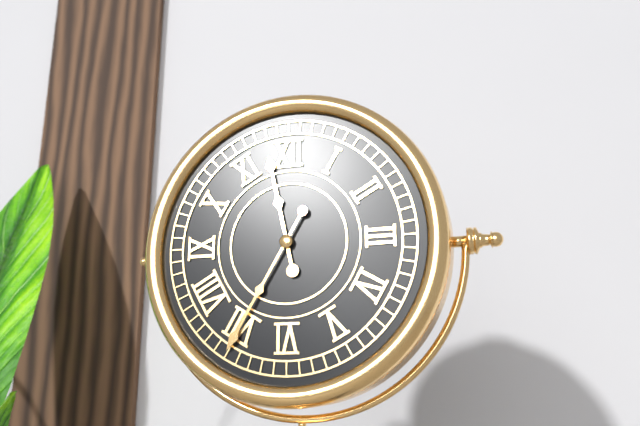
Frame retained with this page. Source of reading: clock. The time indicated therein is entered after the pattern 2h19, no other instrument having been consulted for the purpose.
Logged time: 11h35
